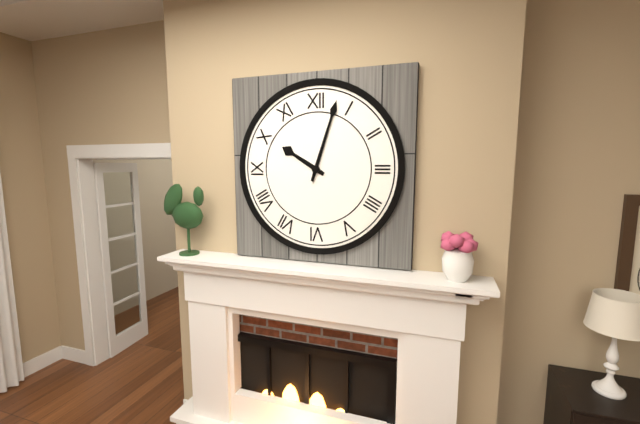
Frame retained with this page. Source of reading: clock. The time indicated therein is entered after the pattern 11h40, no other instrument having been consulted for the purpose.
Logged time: 10h03
